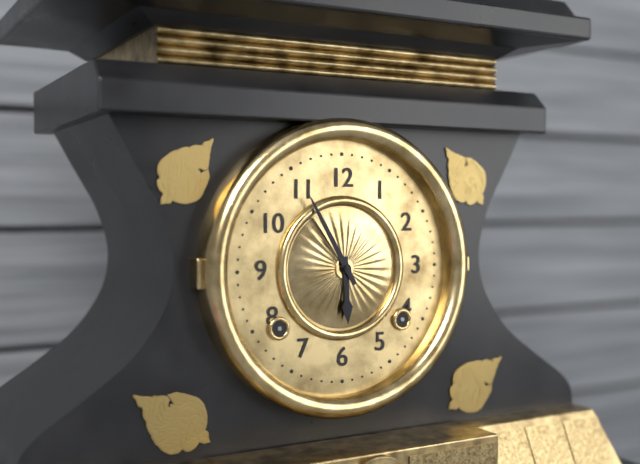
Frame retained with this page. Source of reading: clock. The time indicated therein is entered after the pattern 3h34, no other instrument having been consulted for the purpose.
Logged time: 5h55
